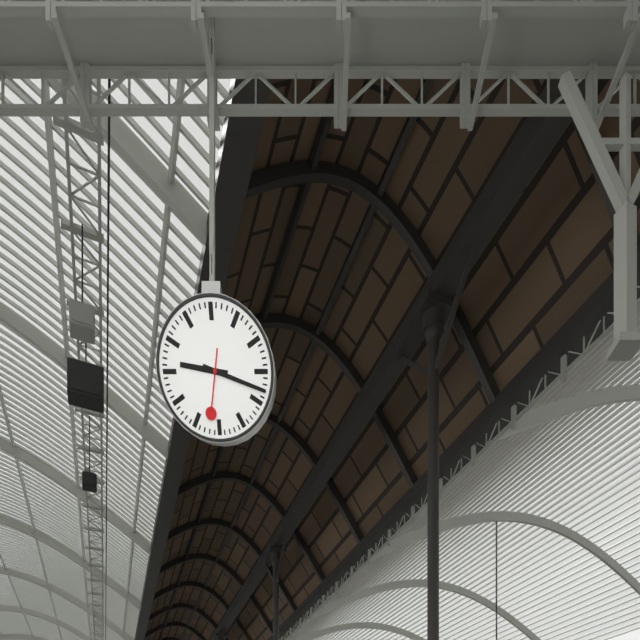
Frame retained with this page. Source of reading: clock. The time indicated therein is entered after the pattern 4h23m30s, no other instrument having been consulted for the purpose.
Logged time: 9h18m32s
